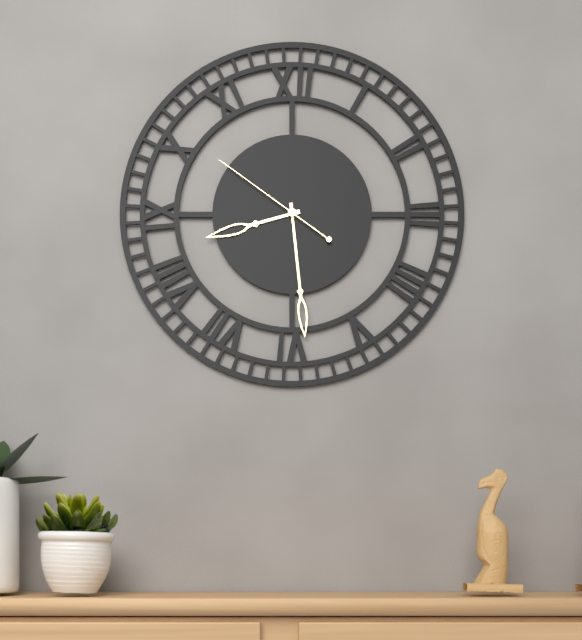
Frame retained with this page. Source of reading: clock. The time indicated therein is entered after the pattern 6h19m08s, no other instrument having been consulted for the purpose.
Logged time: 8h29m51s
